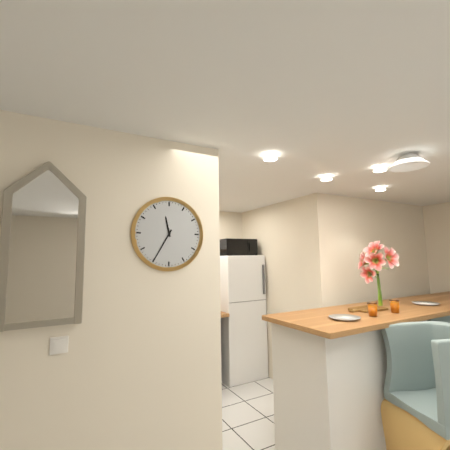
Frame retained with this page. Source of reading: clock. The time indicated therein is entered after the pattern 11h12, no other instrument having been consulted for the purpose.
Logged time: 11h35
